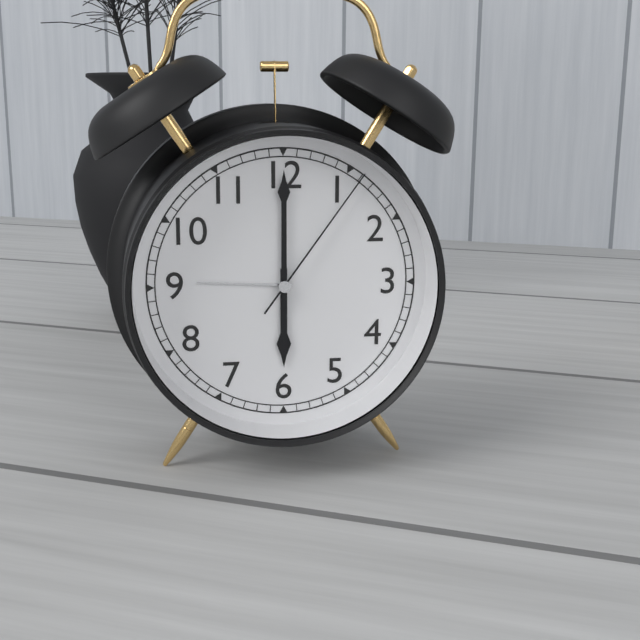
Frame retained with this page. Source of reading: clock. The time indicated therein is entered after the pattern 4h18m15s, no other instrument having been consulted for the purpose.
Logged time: 6h00m06s
